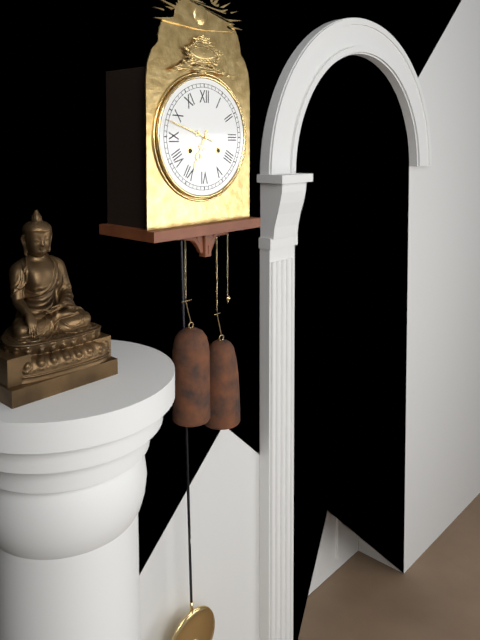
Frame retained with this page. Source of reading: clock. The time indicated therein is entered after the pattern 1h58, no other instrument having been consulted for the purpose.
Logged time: 6h48
